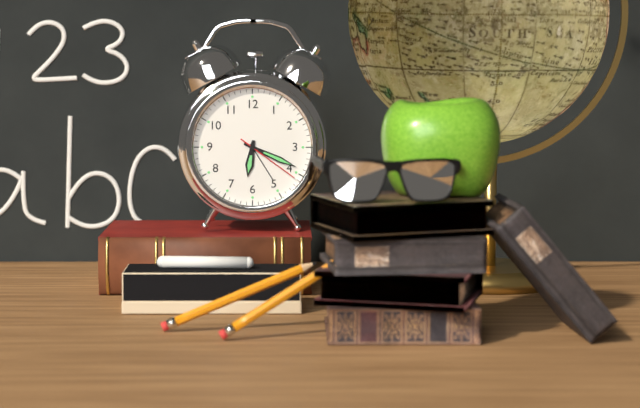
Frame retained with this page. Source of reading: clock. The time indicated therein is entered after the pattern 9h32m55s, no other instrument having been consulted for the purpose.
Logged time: 6h19m21s
